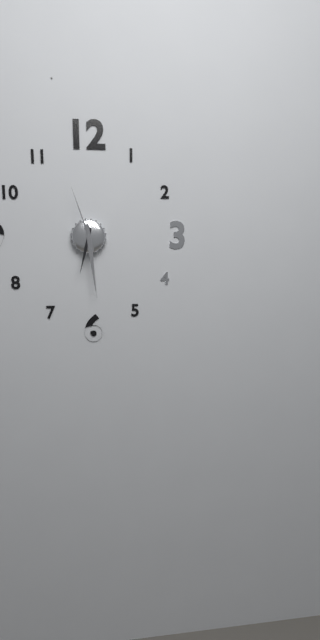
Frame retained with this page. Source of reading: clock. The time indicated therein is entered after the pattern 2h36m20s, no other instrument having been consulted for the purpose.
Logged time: 6h29m57s
